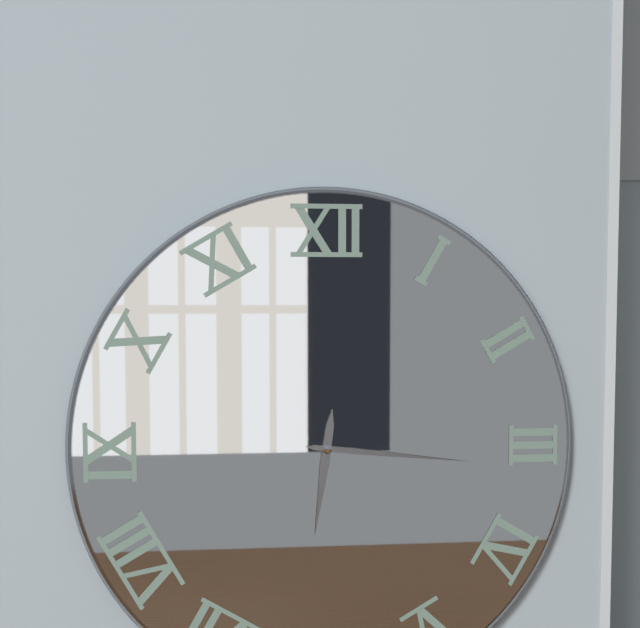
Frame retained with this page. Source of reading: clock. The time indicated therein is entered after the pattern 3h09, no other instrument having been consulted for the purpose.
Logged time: 6h16
